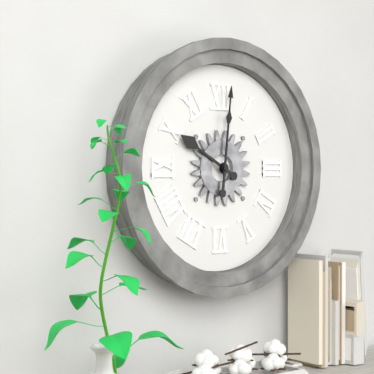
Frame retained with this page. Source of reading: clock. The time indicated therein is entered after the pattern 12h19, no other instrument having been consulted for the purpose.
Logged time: 10h01
